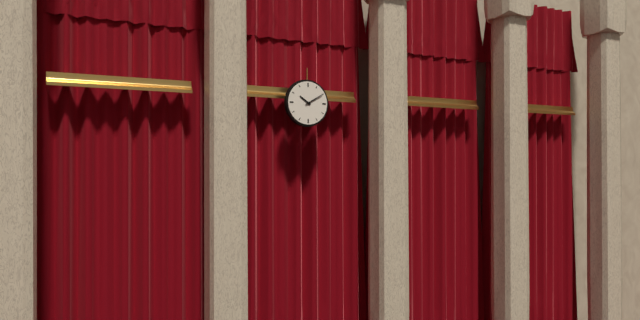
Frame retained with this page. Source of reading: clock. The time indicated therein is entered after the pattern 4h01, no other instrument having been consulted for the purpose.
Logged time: 10h10
